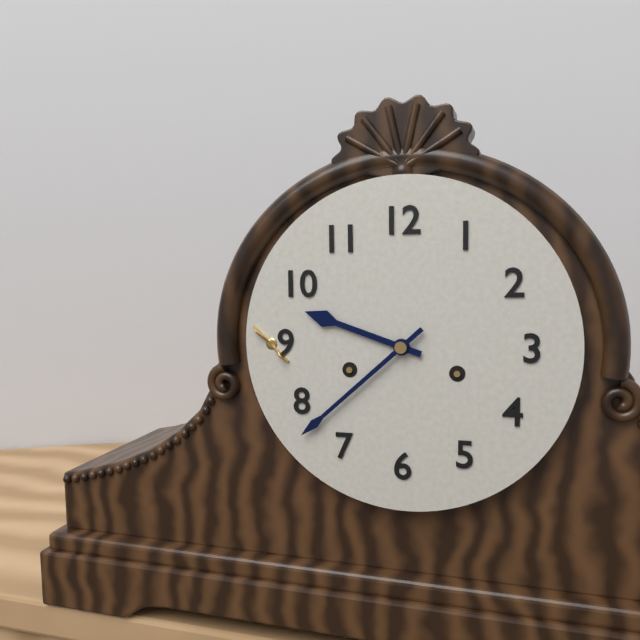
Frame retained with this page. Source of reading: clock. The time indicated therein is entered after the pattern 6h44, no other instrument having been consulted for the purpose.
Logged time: 9h38
